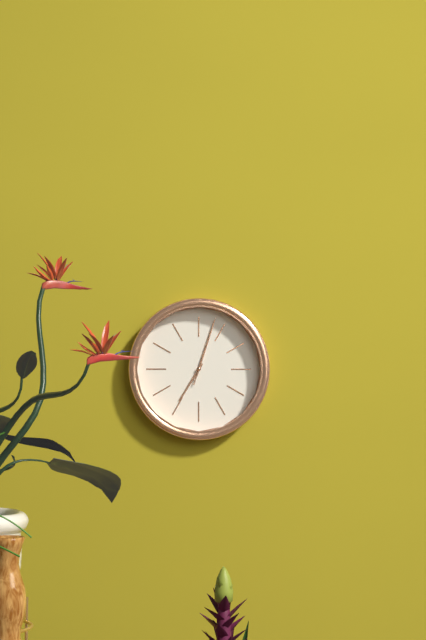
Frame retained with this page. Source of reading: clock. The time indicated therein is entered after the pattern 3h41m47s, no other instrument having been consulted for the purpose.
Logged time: 7h03m03s
